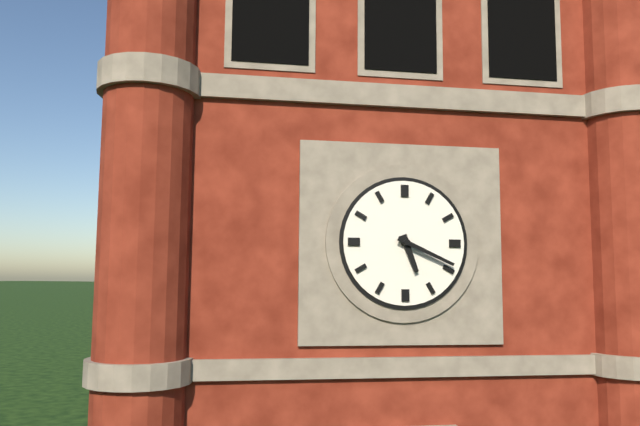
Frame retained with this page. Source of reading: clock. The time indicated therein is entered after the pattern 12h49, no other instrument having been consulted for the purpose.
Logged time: 5h19
